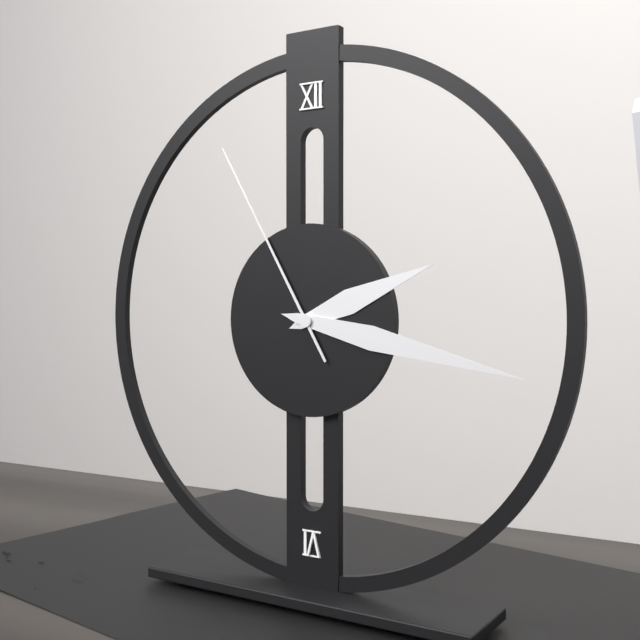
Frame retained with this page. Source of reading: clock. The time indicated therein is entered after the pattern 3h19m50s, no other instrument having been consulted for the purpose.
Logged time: 2h17m55s
